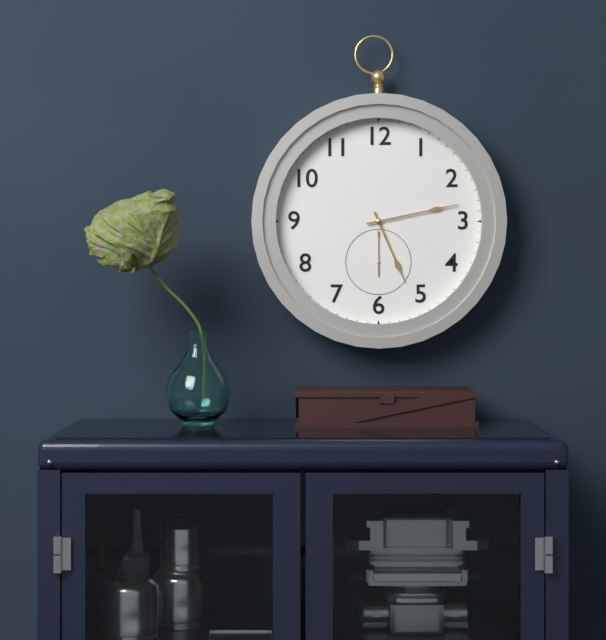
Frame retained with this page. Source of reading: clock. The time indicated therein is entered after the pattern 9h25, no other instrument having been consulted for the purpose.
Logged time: 5h13
